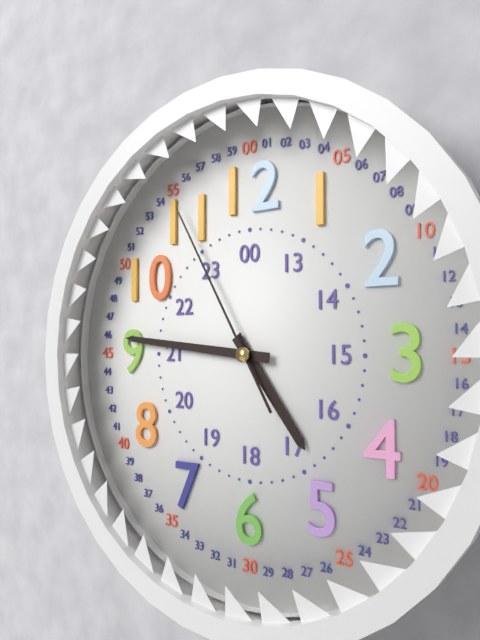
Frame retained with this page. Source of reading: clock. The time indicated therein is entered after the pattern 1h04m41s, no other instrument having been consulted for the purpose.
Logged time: 4h46m55s
